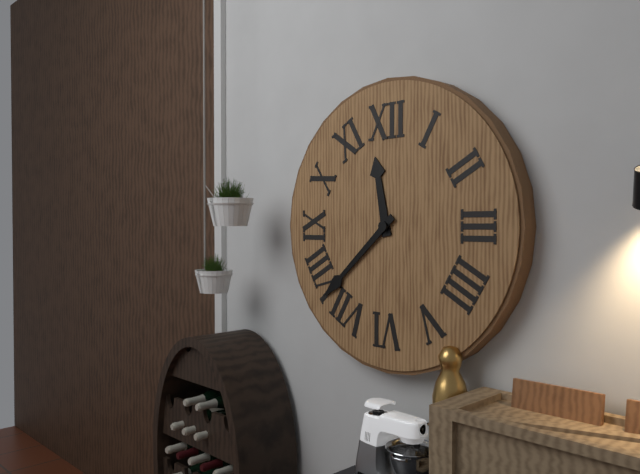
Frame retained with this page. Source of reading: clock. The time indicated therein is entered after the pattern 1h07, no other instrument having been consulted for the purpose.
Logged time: 11h38
